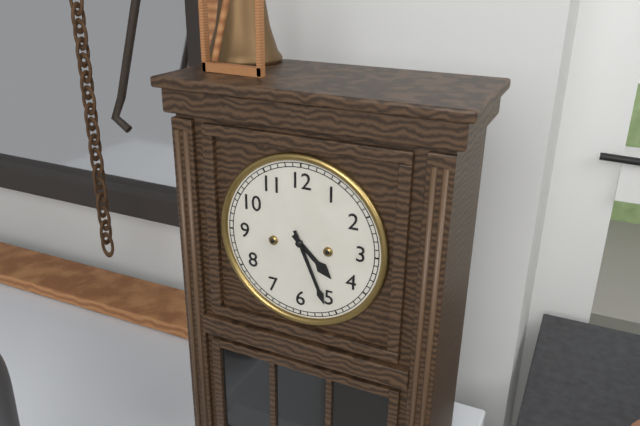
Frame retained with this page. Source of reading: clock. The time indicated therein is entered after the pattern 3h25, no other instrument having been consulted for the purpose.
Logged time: 4h26
